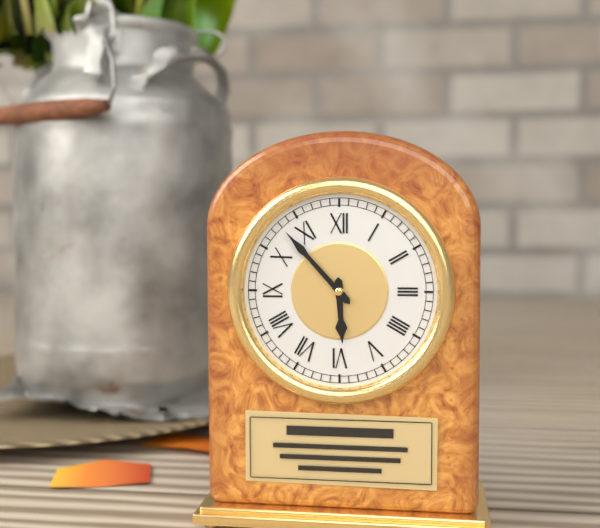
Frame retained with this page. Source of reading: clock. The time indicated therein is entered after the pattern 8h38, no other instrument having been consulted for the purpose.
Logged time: 5h53
